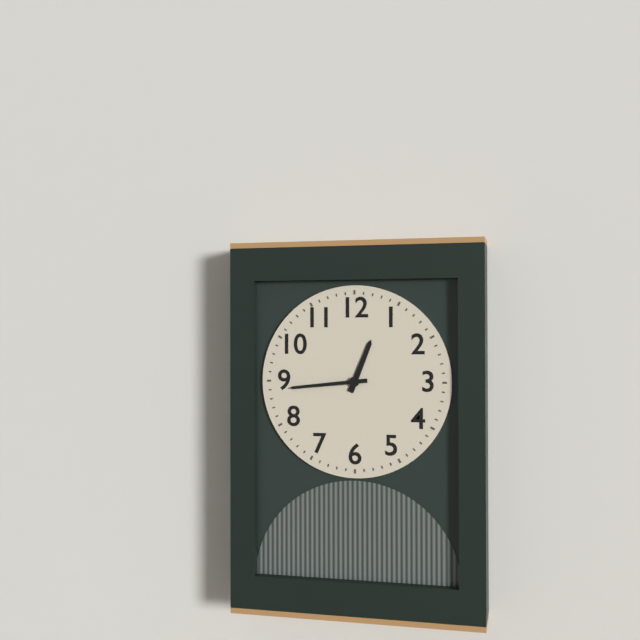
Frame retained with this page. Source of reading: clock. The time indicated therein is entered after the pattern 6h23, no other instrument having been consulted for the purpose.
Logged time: 12h44
